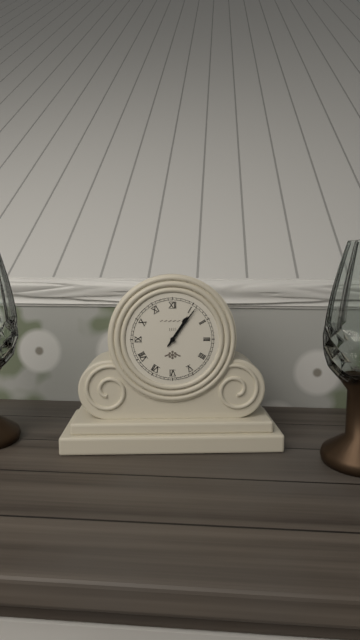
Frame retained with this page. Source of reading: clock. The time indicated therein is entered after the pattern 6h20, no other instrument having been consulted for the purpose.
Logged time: 1h06
